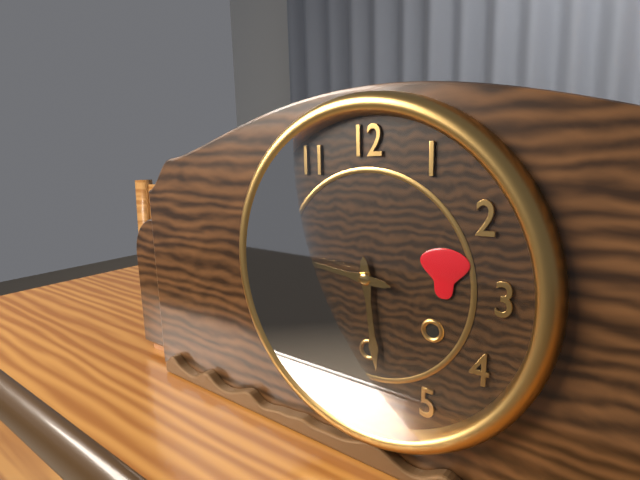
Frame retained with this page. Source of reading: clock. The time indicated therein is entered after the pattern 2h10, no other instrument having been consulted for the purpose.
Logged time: 5h46
